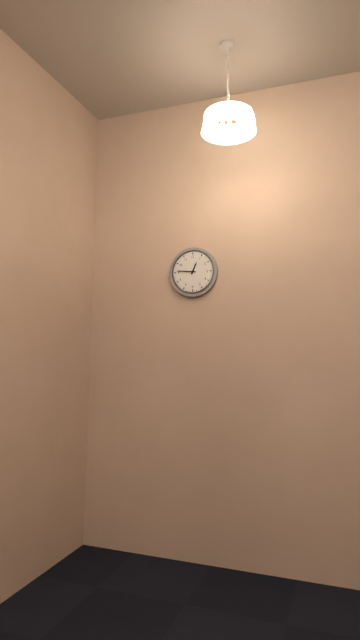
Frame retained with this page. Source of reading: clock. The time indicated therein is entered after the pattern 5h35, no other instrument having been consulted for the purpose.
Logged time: 12h46
